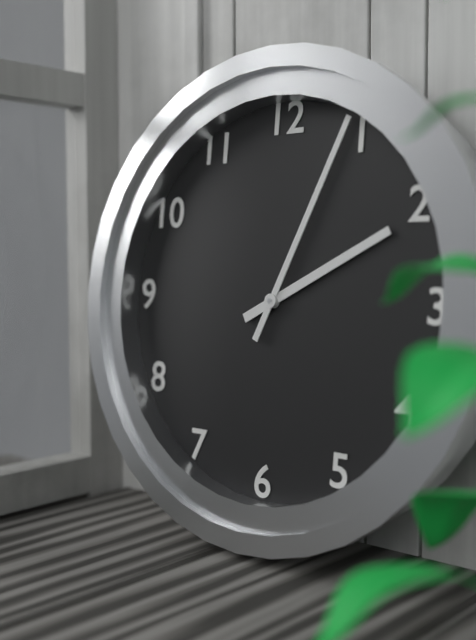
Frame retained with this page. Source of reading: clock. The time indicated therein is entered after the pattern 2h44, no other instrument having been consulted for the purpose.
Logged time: 2h04
